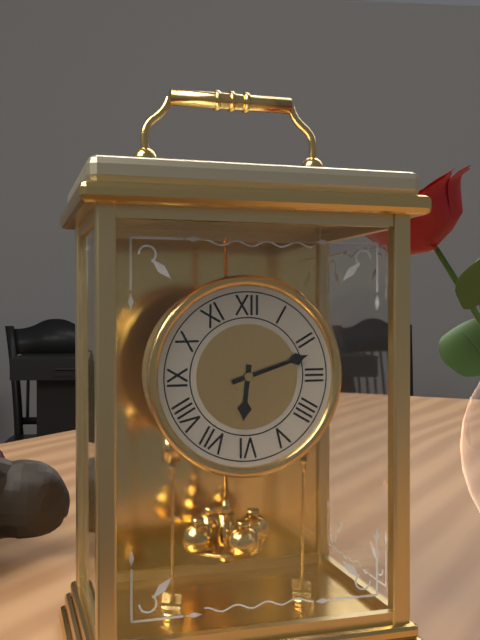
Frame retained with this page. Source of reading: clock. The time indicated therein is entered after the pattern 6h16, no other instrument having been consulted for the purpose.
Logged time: 6h12
